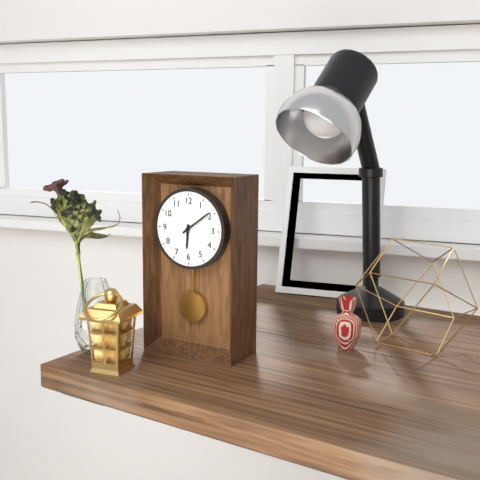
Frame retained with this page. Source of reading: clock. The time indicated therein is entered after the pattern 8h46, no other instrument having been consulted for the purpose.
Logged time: 6h09
